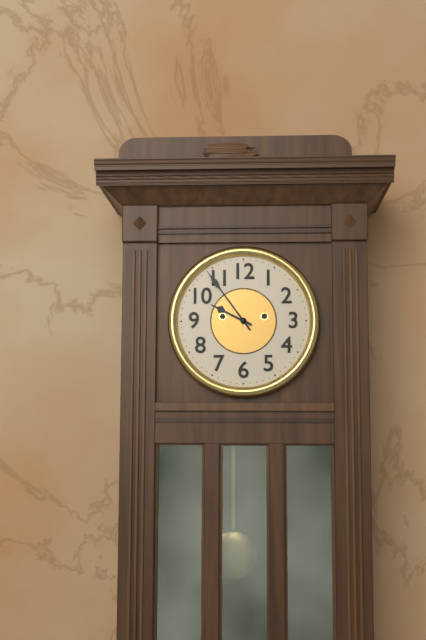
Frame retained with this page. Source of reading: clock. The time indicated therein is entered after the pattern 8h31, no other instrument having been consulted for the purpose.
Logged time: 9h54
